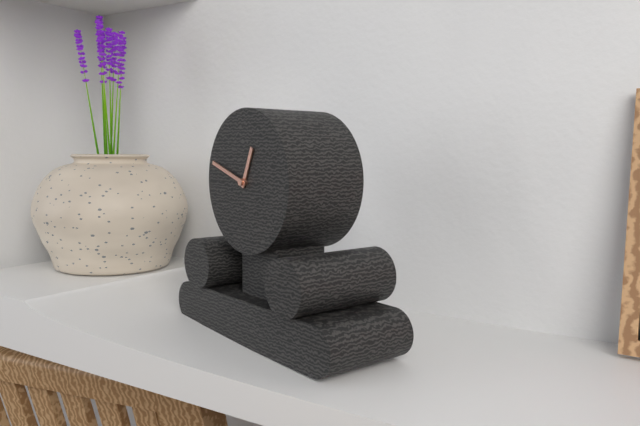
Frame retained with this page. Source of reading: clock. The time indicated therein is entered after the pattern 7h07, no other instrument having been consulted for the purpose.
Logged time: 12h48
